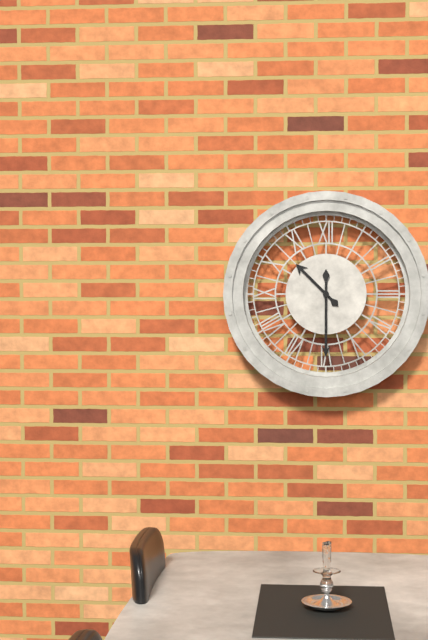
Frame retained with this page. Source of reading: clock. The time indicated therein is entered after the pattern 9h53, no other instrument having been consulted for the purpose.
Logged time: 10h30
